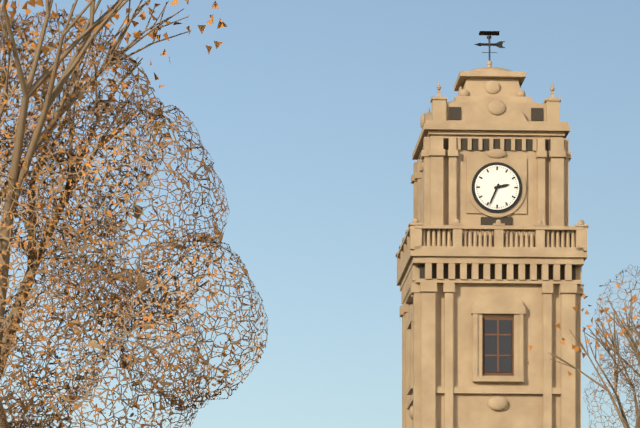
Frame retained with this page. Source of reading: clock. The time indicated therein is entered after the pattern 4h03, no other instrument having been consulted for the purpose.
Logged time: 2h34
